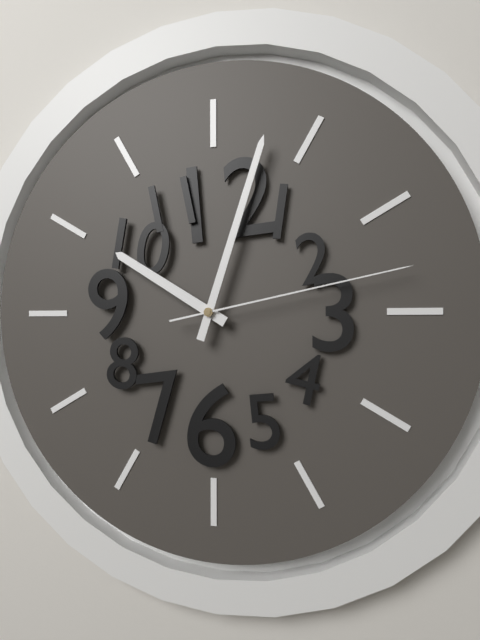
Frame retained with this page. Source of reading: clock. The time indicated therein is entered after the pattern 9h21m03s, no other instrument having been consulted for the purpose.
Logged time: 10h03m13s
